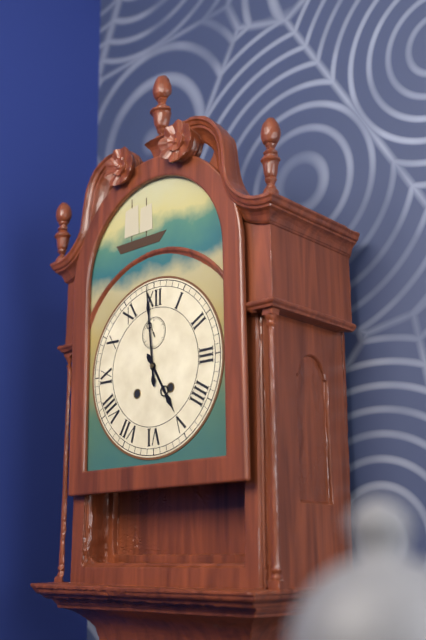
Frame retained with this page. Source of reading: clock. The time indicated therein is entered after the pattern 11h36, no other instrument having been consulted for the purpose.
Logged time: 4h59
